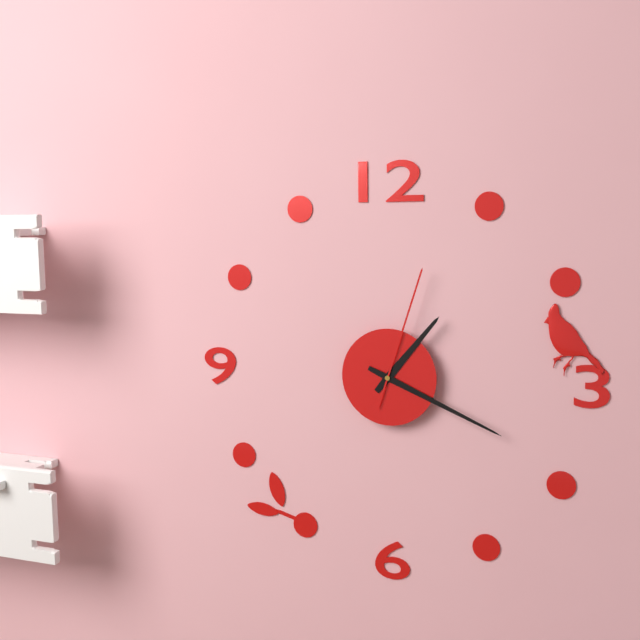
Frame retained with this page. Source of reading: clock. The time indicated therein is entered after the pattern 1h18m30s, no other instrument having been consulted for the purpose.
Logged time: 1h19m03s
